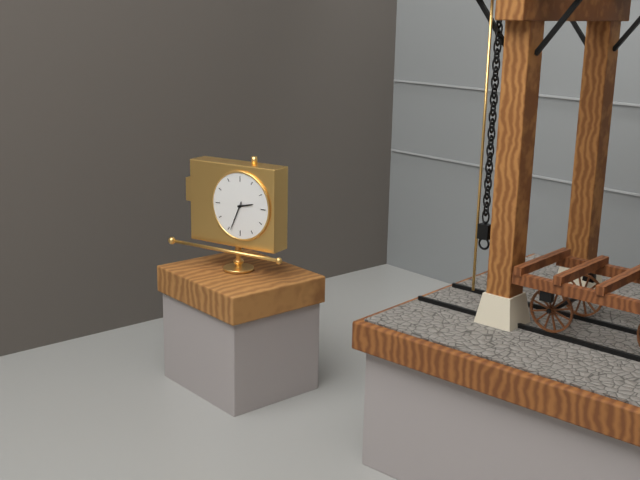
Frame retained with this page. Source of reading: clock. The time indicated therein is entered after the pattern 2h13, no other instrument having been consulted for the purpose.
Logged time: 2h34
